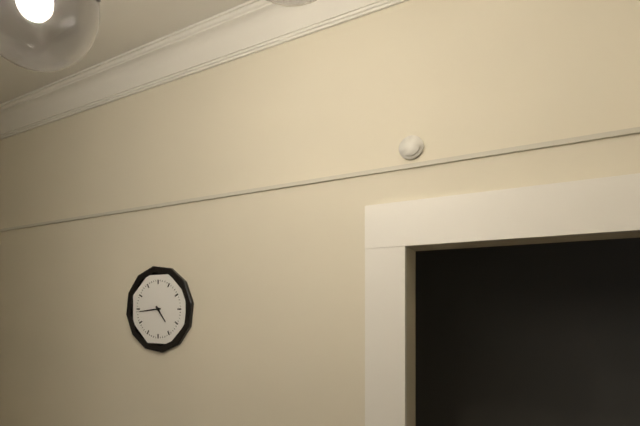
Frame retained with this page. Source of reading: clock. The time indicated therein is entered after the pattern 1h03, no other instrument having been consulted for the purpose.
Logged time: 4h44
